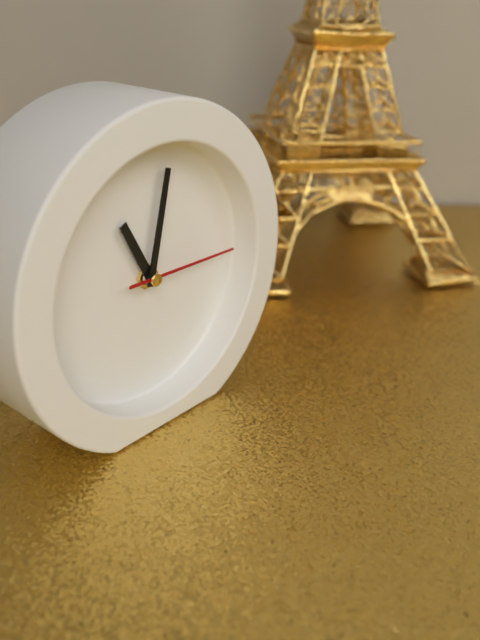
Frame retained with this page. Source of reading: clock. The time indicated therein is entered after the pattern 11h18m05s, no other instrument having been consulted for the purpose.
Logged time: 11h02m15s
